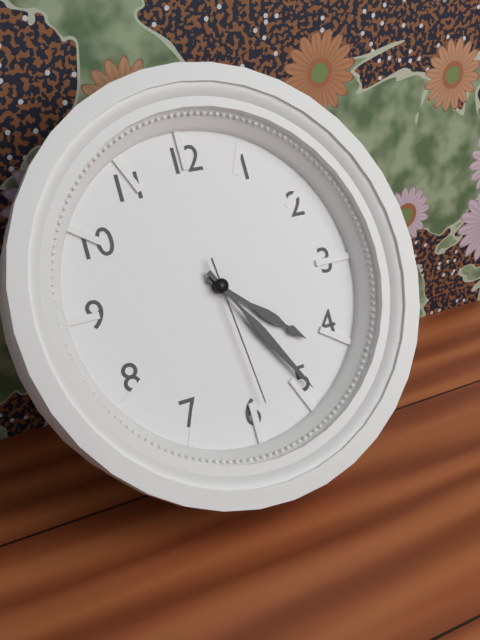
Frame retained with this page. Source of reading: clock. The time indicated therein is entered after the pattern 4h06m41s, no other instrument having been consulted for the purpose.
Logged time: 4h25m29s
